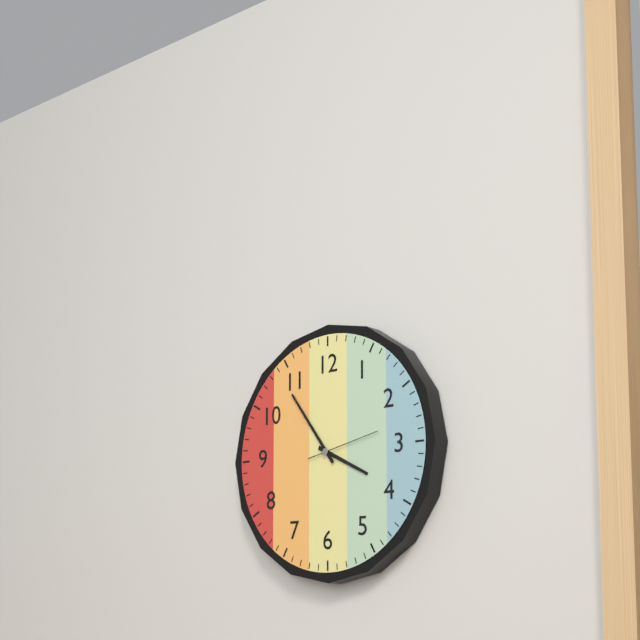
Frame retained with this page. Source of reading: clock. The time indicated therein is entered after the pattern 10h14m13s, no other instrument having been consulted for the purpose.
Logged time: 3h54m13s
